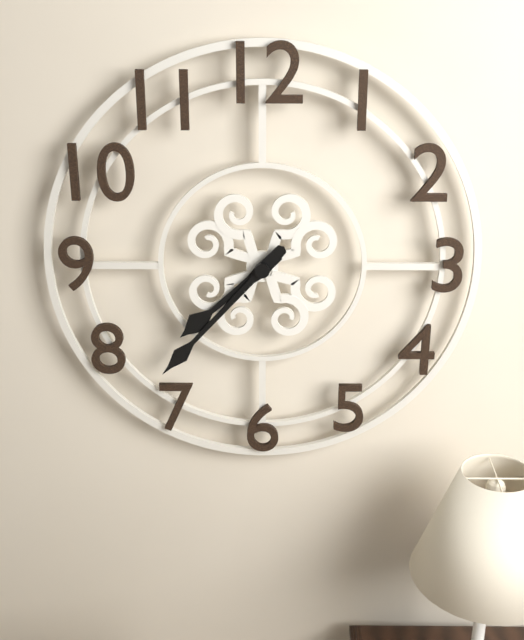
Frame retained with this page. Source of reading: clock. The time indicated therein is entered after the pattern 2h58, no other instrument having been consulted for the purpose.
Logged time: 7h37
